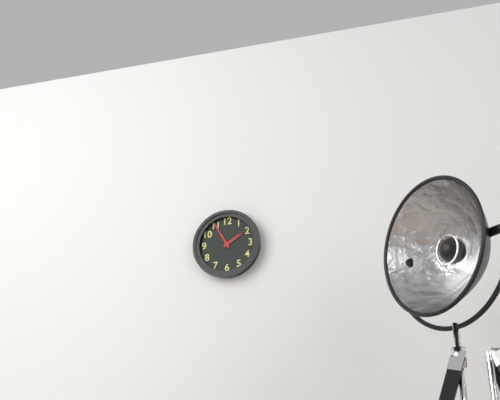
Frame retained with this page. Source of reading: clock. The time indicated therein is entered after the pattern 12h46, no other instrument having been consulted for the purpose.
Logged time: 1h55
